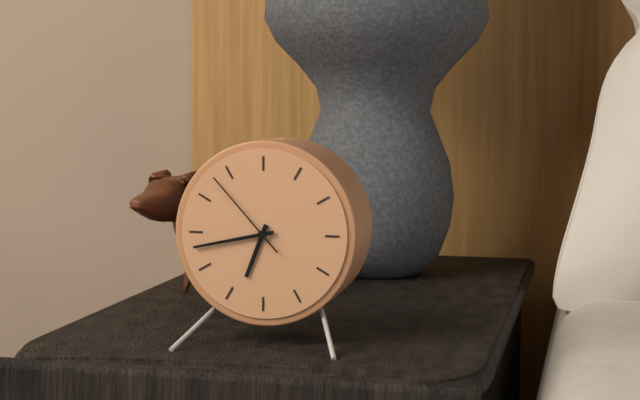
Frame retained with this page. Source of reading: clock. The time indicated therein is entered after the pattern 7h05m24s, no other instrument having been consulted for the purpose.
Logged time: 6h43m53s
